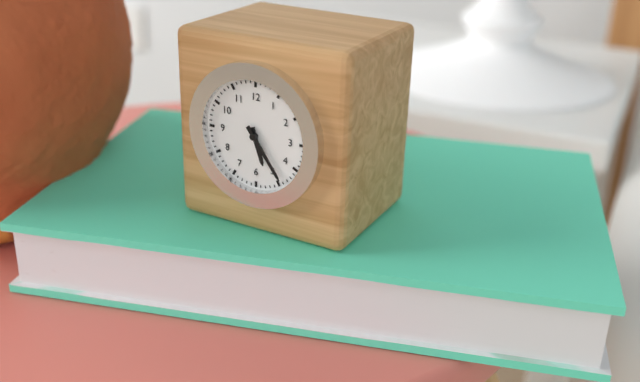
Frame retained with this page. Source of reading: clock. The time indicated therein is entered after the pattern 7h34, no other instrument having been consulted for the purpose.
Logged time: 5h24
